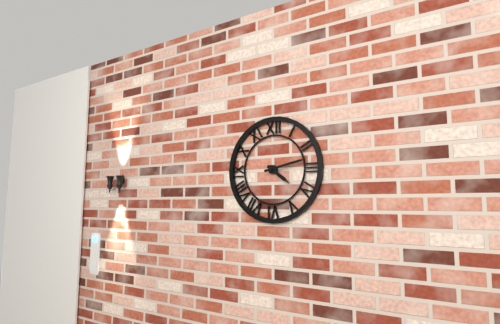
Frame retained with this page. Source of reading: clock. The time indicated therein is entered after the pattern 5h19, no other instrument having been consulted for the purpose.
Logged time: 4h13
